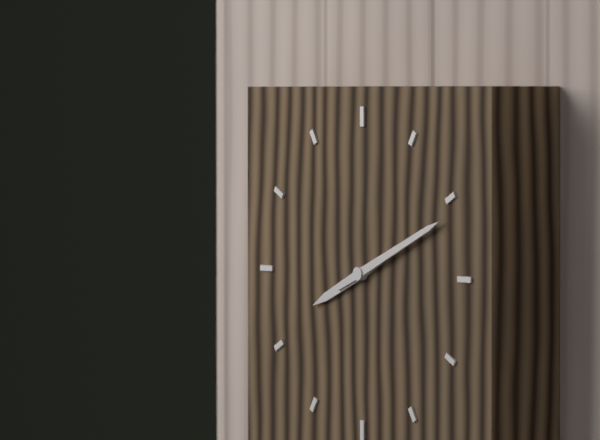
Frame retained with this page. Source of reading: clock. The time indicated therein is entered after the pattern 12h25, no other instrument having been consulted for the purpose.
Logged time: 8h11
